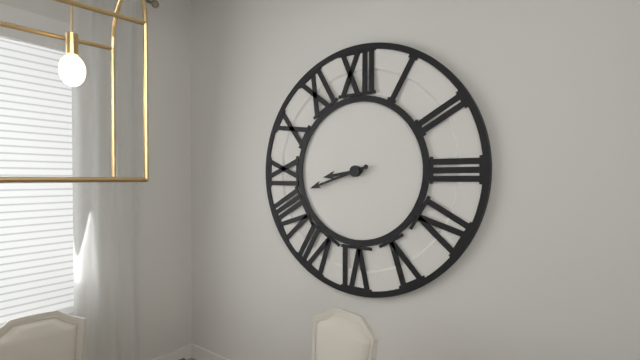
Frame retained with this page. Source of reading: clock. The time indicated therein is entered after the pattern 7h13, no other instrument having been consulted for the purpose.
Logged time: 8h42
